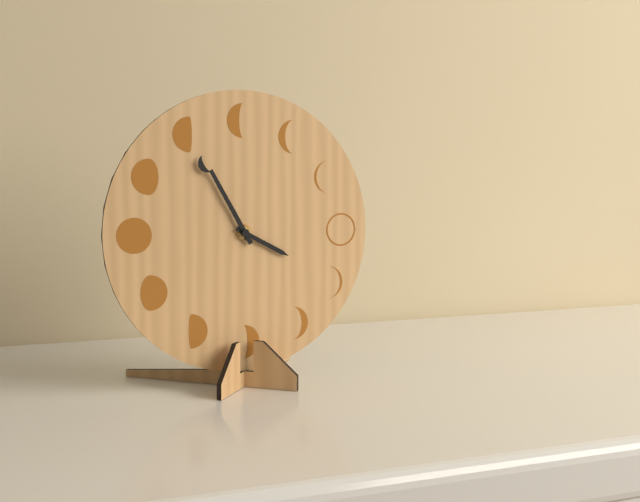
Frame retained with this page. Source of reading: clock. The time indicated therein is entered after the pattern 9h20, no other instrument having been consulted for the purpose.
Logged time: 3h55
